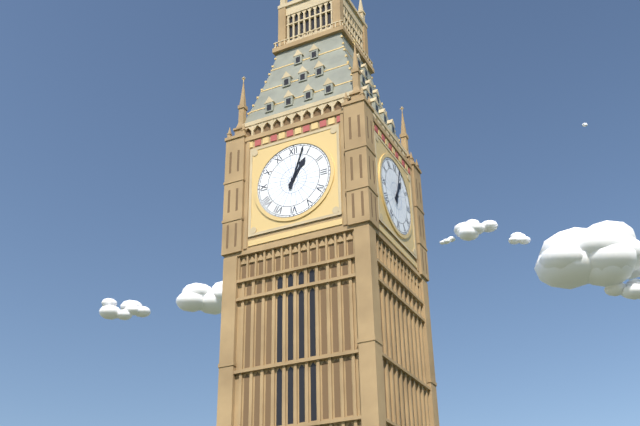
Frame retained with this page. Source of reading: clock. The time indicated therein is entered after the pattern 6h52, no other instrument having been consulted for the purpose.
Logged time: 1h03
